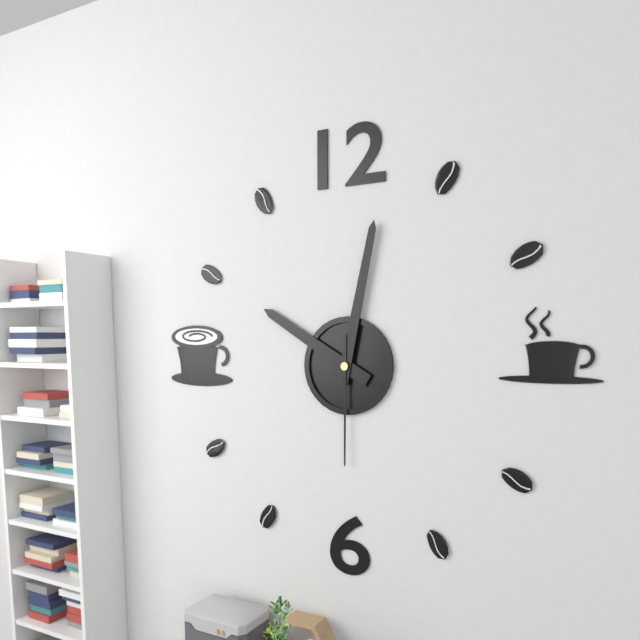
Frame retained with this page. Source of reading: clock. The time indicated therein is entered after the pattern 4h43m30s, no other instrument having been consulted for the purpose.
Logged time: 10h02m30s
